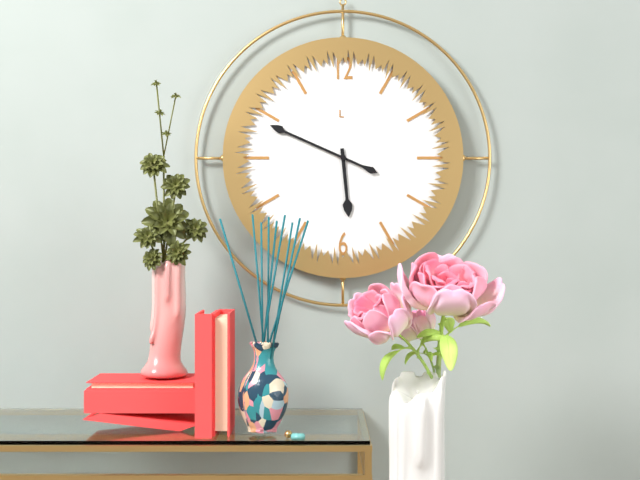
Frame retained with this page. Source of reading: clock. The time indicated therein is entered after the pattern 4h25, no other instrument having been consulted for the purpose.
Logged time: 5h49
